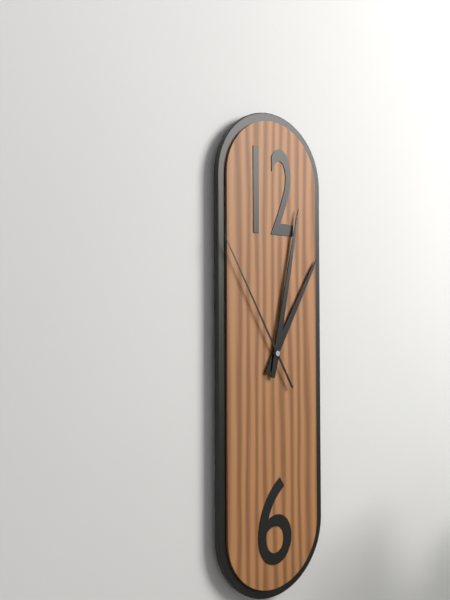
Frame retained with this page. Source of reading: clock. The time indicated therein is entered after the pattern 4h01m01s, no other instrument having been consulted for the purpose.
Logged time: 1h02m55s
